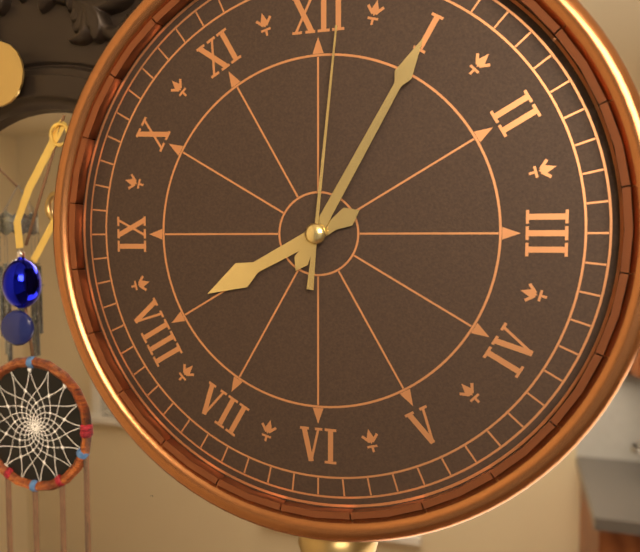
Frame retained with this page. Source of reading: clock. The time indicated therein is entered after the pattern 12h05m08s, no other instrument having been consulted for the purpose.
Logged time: 8h05m01s
